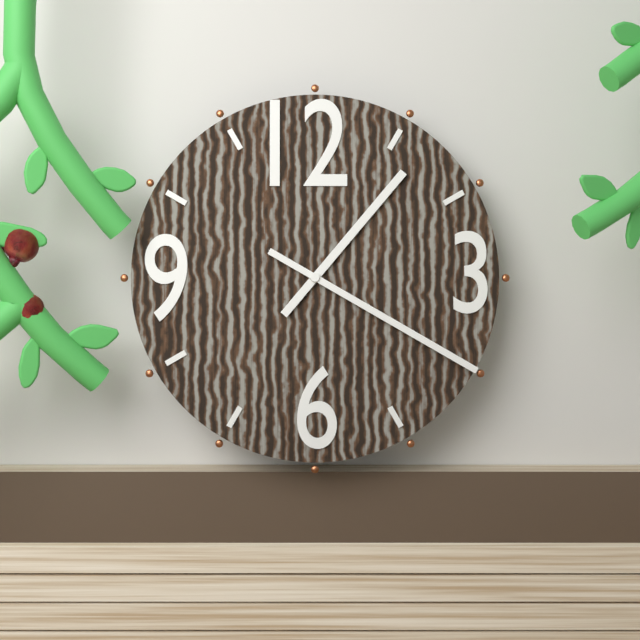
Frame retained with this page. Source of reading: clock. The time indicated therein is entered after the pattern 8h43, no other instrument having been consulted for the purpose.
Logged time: 1h20
